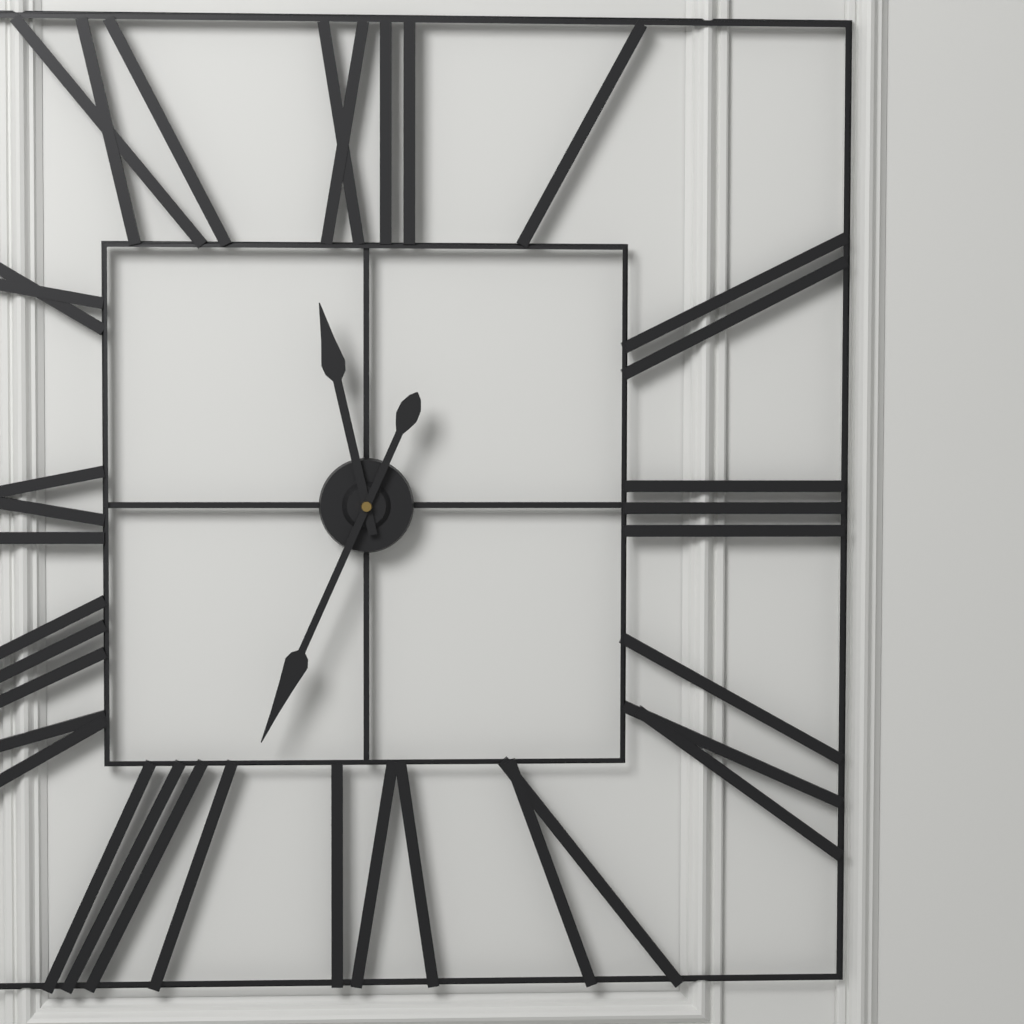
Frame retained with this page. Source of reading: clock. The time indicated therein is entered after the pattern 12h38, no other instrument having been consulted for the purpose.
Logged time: 11h34
